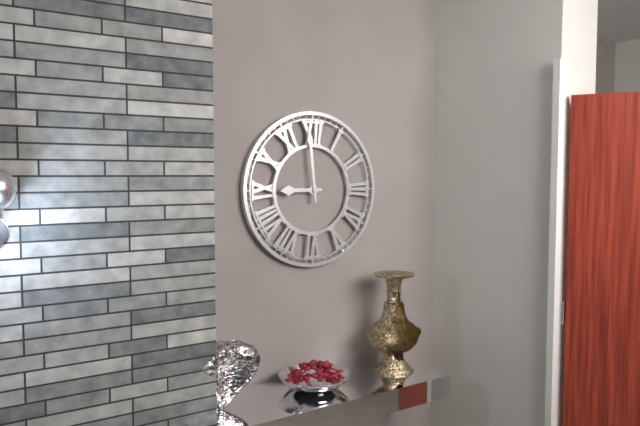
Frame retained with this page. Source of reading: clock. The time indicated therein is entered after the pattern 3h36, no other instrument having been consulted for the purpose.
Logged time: 8h59
